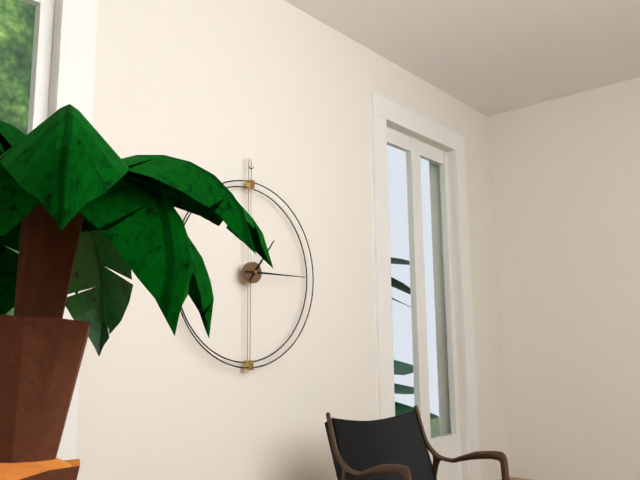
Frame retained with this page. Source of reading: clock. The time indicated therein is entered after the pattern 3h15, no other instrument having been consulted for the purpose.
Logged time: 1h15
